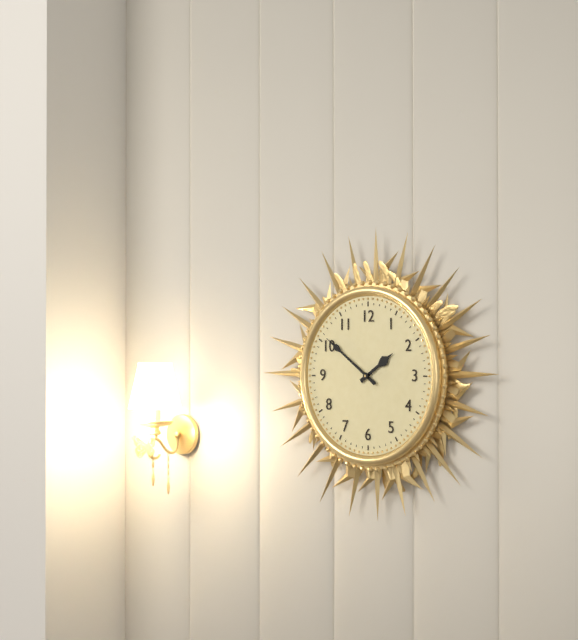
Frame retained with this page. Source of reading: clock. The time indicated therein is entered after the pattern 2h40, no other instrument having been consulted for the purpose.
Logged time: 1h51
